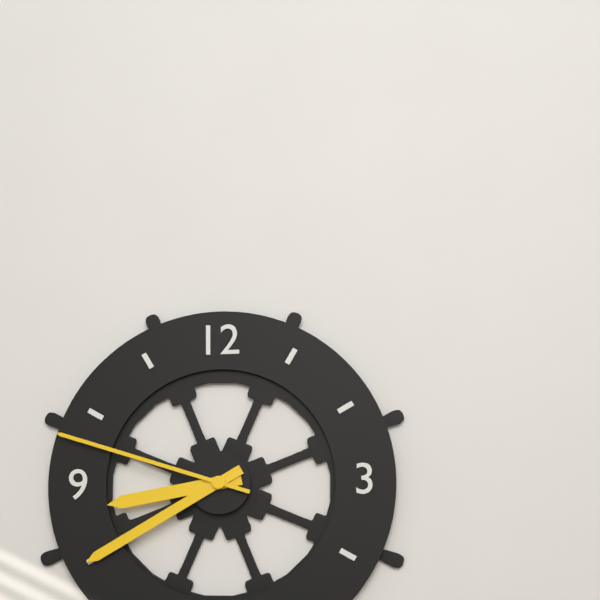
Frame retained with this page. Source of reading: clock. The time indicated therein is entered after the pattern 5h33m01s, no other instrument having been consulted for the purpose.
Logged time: 8h40m48s
